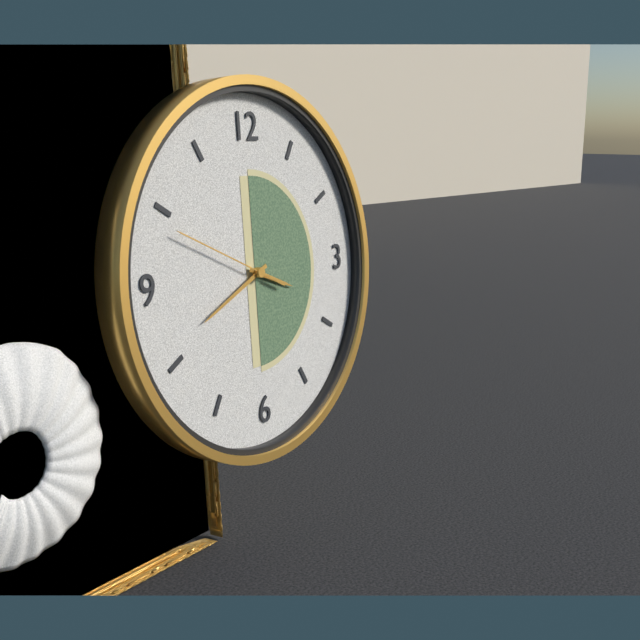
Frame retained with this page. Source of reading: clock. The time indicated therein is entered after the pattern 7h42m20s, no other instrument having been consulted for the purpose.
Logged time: 3h41m49s
